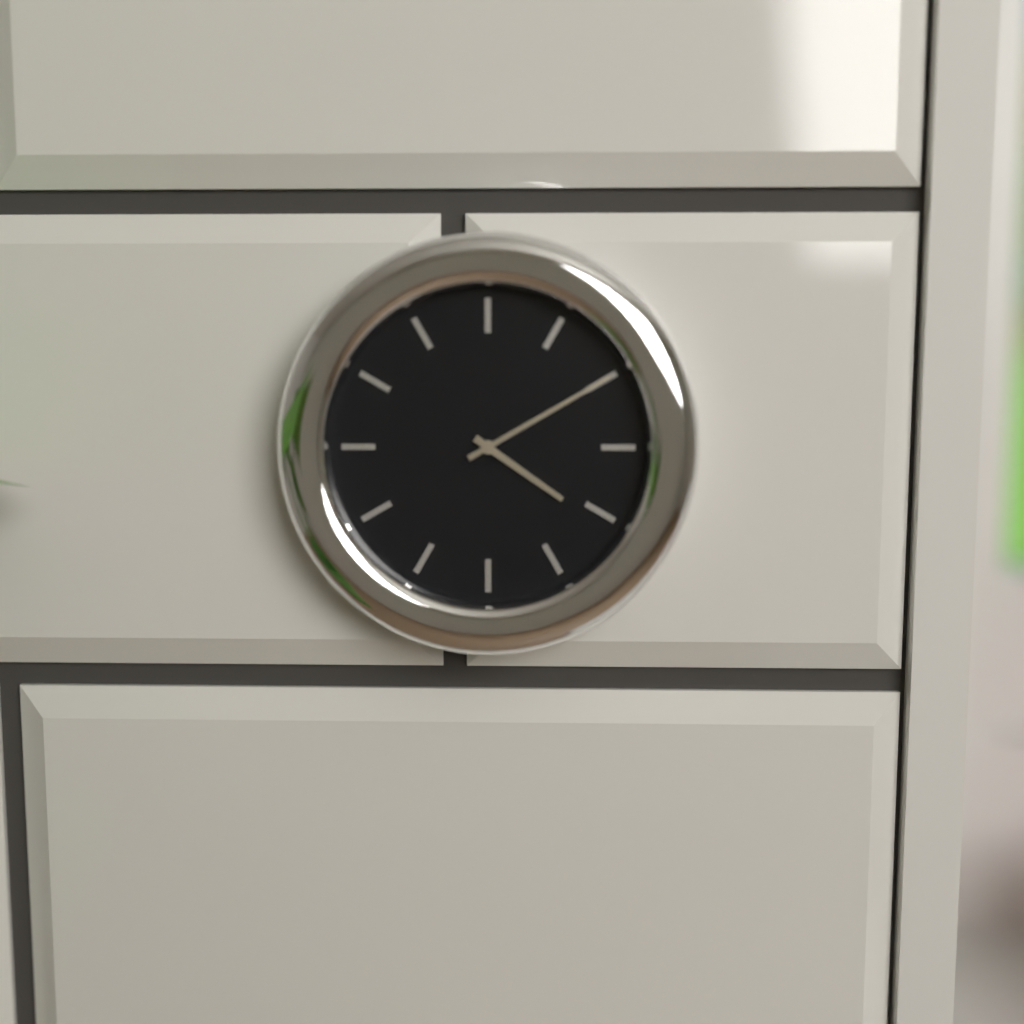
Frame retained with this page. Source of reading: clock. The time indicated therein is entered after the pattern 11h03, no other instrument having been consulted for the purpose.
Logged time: 4h10
